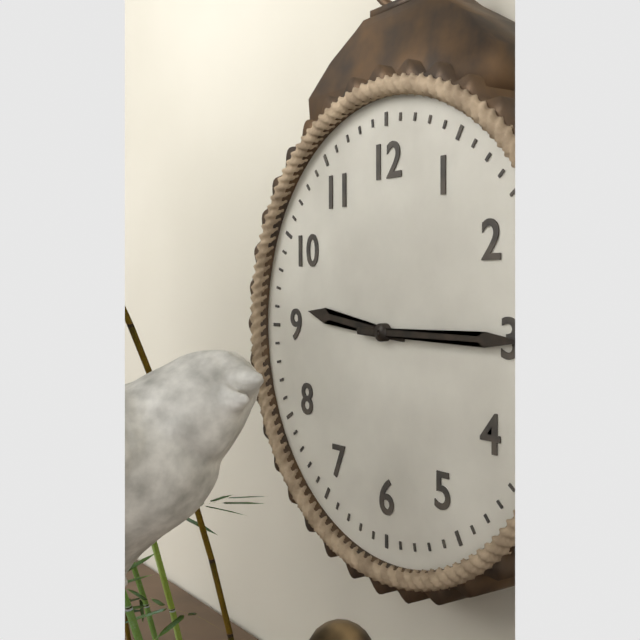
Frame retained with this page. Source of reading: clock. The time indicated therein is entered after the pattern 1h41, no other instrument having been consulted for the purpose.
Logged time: 9h15
